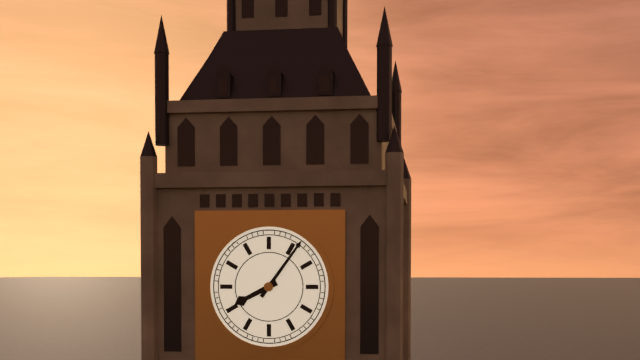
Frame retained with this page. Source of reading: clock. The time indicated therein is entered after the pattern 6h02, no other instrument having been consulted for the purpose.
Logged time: 8h06
